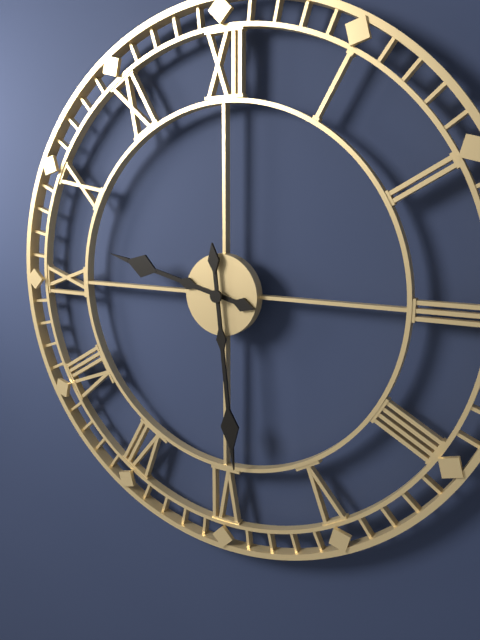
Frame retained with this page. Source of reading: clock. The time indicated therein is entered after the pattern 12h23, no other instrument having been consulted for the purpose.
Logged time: 9h29
